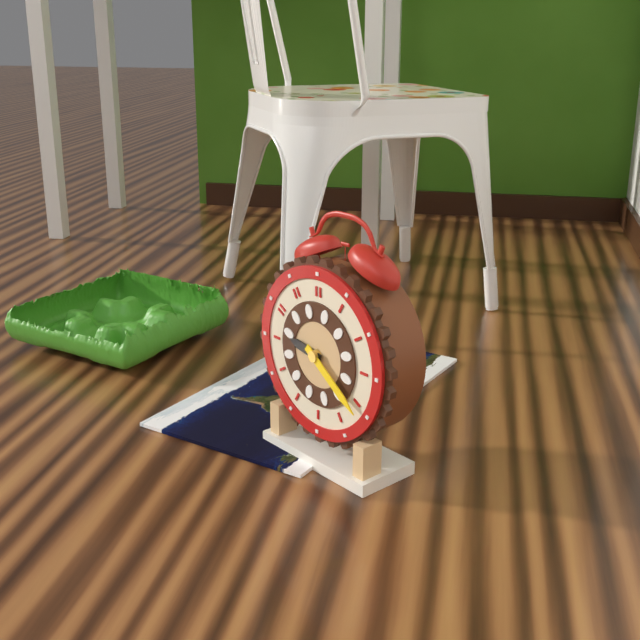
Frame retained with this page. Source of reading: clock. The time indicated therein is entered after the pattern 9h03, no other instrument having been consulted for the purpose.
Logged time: 9h21
